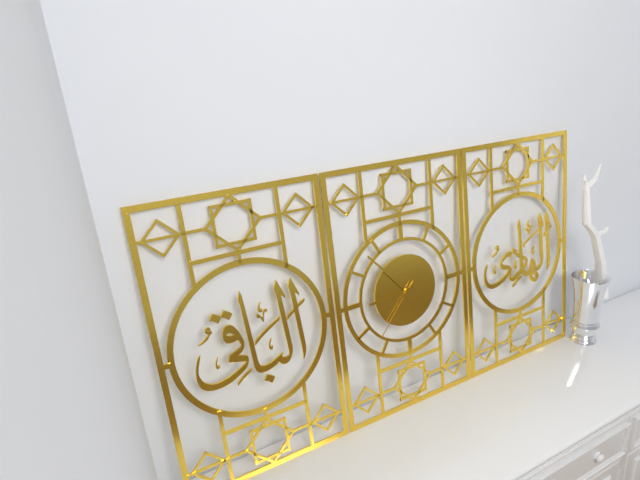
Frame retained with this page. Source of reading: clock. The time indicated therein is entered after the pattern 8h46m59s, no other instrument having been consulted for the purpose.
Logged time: 8h53m37s
